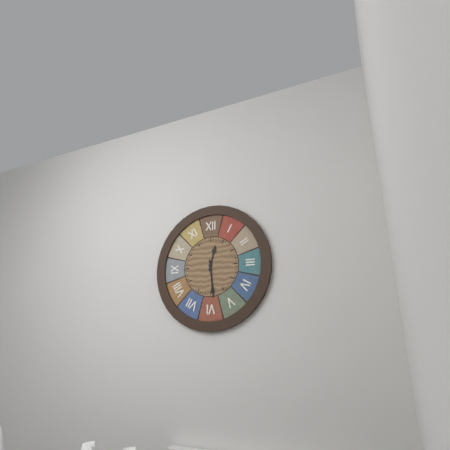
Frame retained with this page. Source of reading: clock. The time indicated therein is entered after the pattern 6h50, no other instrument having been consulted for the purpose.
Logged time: 12h29
